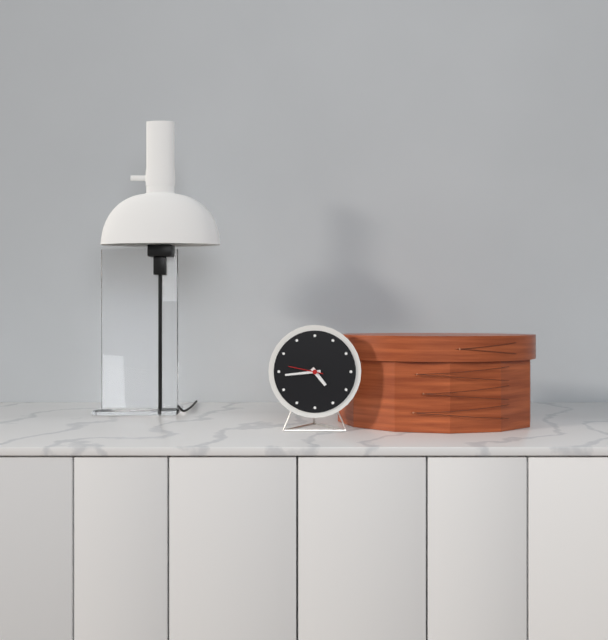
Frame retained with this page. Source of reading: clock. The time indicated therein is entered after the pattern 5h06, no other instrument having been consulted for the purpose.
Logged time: 4h44
